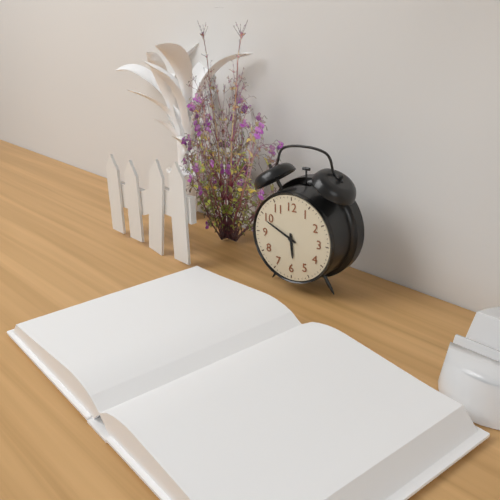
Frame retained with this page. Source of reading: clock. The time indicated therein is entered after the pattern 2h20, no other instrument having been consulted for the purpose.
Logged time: 5h49
